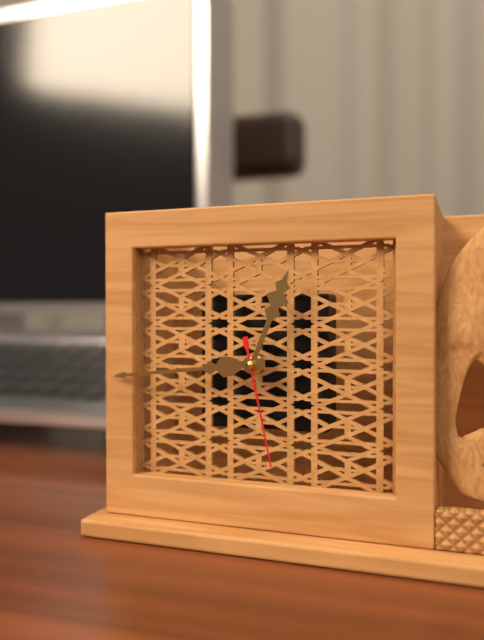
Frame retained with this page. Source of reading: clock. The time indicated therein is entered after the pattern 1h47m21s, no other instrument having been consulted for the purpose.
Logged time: 12h44m28s
